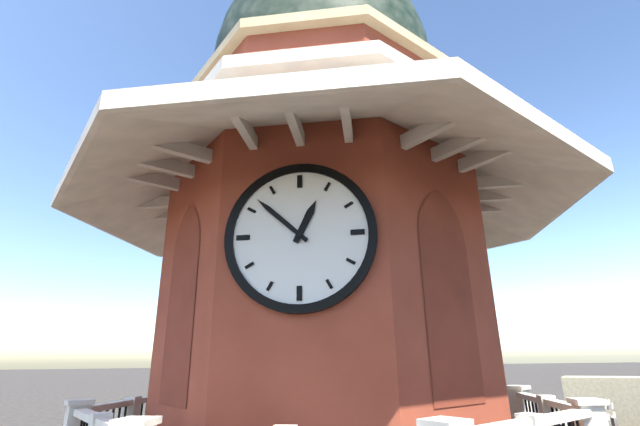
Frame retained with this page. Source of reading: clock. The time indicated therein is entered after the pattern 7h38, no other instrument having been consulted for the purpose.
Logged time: 12h52
